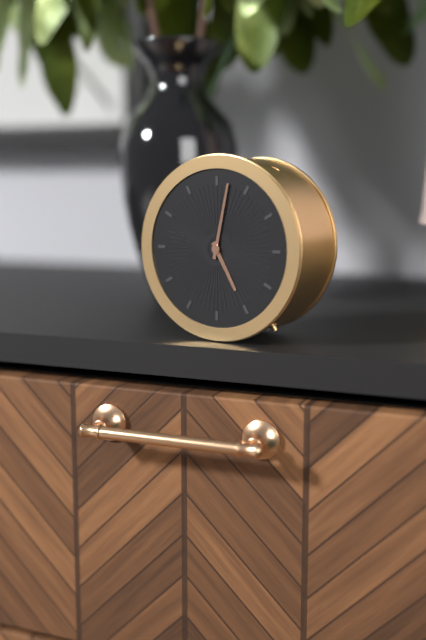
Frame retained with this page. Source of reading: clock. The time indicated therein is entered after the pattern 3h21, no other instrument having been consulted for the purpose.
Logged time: 5h02
